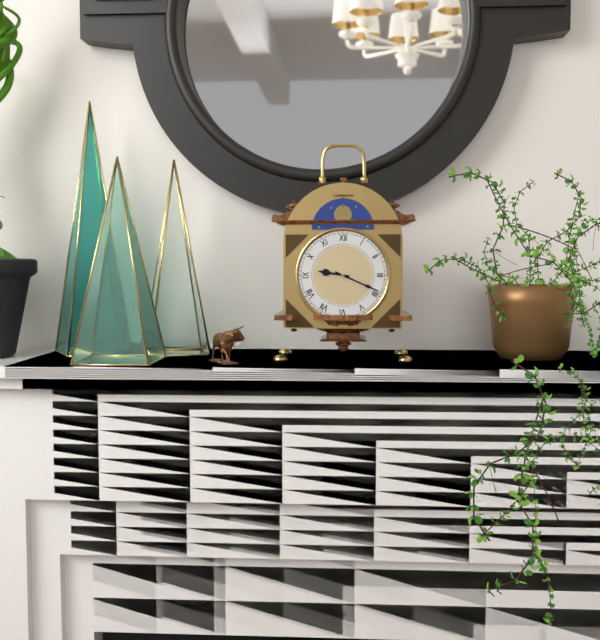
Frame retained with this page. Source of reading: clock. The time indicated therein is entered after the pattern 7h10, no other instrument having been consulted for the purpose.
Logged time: 9h19
